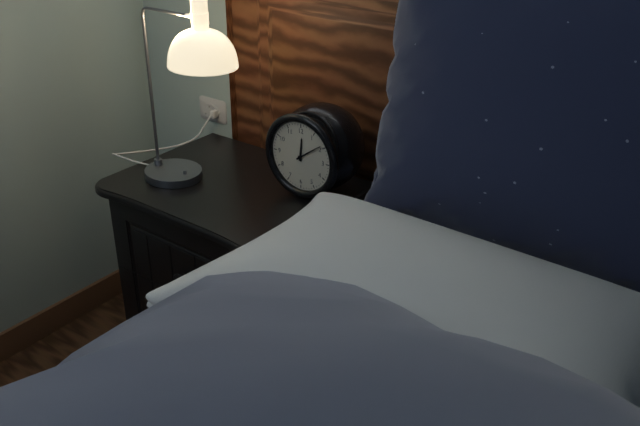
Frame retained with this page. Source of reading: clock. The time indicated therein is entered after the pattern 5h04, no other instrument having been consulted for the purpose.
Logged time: 12h09
